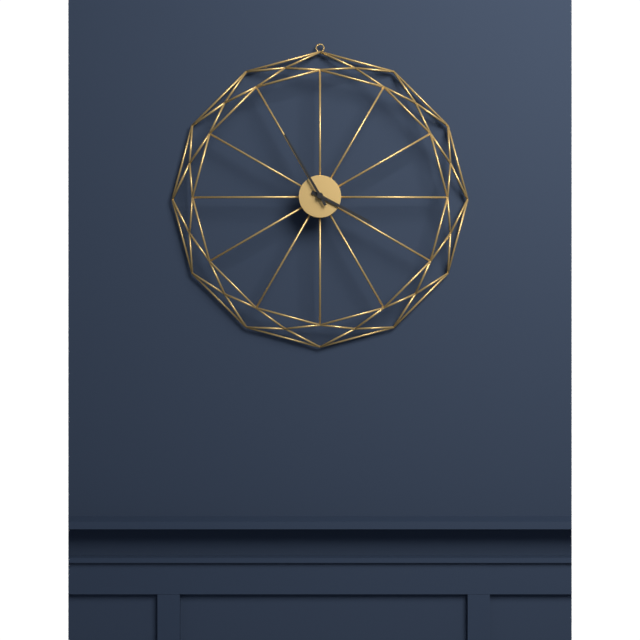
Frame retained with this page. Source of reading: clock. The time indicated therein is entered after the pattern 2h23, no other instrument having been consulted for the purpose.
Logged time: 3h55
